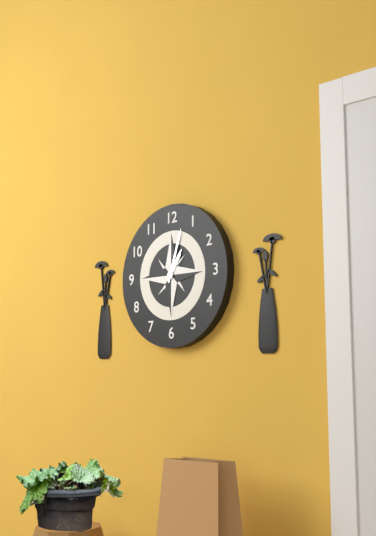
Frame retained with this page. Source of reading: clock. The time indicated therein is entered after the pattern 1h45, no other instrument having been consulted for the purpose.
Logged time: 1h03
